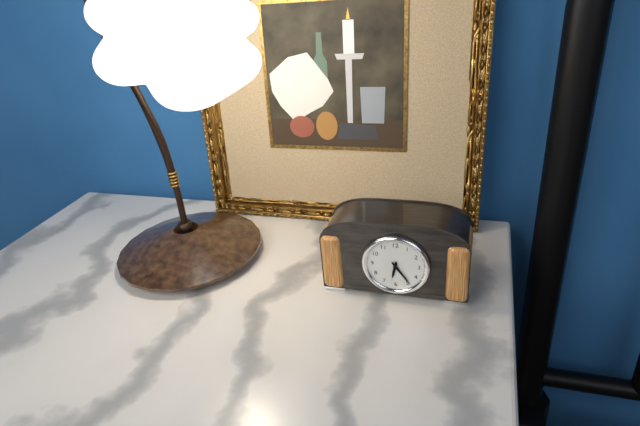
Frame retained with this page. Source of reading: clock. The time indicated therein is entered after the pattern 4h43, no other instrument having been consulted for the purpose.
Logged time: 6h24
